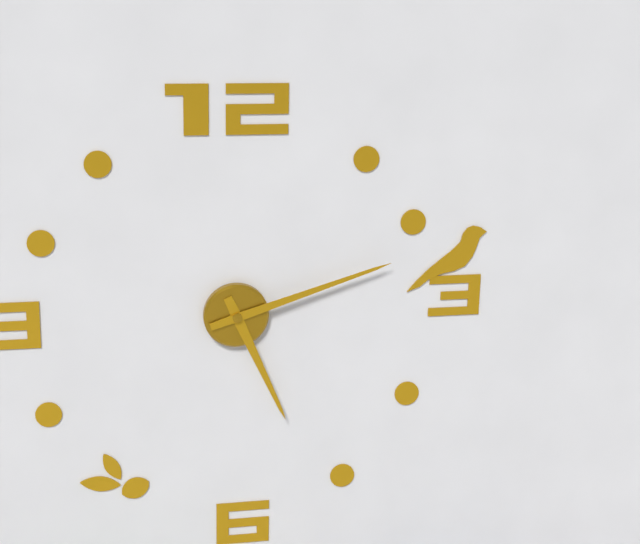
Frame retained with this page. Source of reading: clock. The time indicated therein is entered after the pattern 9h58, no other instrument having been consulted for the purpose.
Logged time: 5h12
